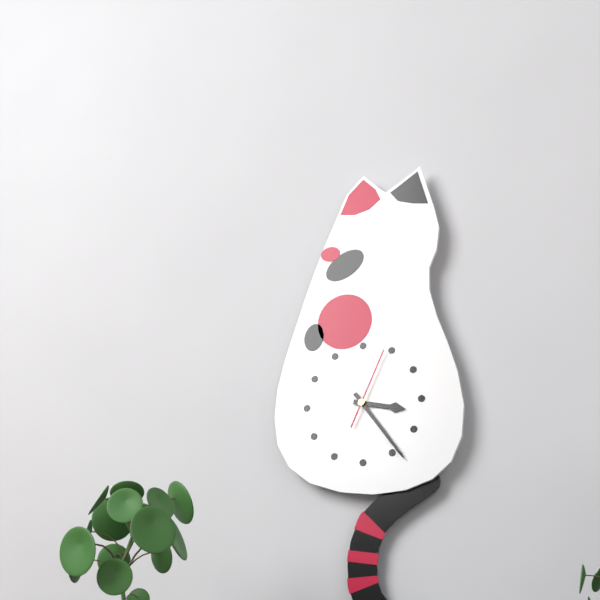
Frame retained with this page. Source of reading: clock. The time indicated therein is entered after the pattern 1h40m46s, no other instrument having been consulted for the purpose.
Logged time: 3h24m04s
